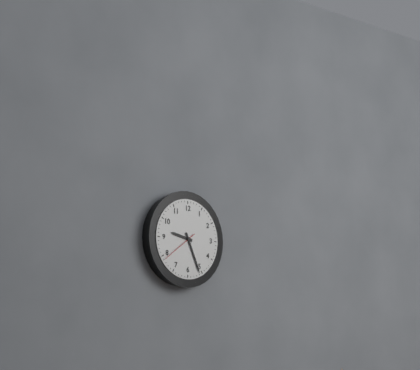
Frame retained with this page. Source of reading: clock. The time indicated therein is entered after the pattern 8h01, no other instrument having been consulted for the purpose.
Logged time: 9h26
